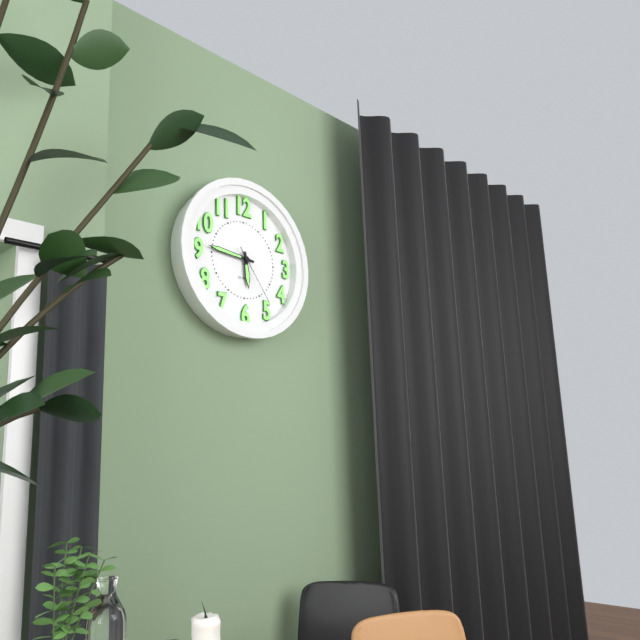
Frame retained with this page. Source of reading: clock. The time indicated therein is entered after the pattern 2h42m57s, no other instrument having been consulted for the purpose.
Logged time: 5h46m24s
